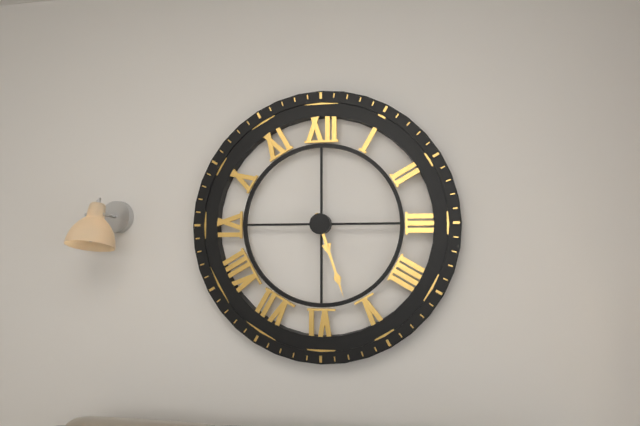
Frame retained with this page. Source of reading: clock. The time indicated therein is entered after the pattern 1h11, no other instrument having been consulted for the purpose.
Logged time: 5h27
